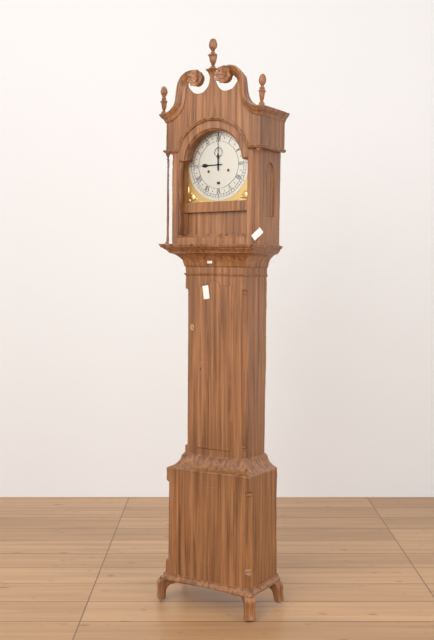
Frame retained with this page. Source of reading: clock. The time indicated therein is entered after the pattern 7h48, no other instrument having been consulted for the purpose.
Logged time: 9h00
